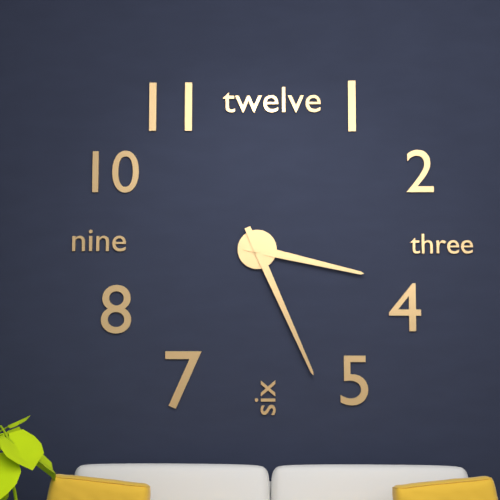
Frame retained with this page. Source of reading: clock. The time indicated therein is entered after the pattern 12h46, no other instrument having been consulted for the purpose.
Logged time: 3h26
